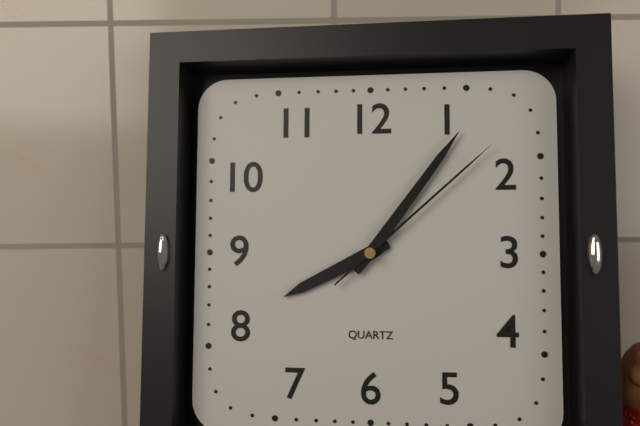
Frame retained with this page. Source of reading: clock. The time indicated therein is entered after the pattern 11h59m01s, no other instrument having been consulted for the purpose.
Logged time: 8h06m08s
